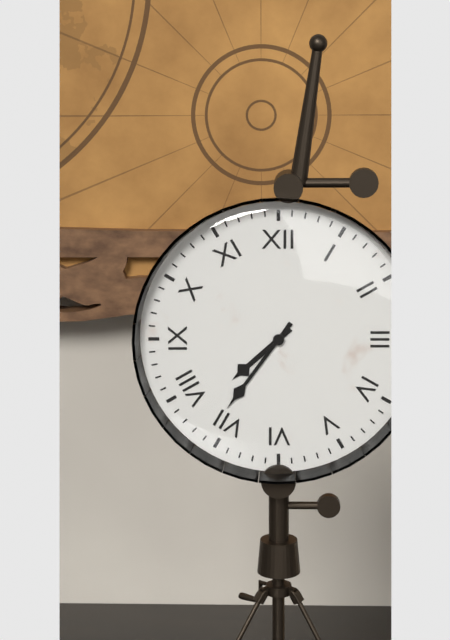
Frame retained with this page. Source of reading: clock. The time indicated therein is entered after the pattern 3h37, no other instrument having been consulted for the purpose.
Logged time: 7h36
